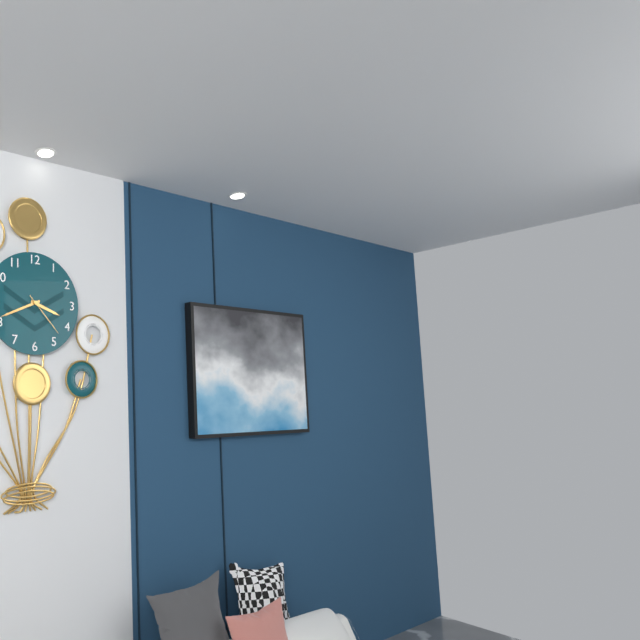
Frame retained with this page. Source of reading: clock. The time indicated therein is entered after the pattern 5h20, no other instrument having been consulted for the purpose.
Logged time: 3h41
